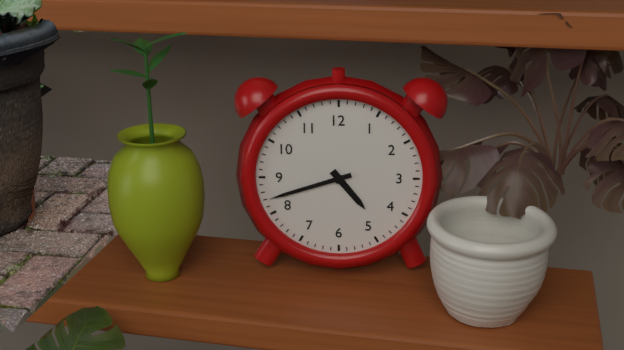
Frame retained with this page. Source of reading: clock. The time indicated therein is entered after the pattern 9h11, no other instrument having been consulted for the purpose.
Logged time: 4h42
